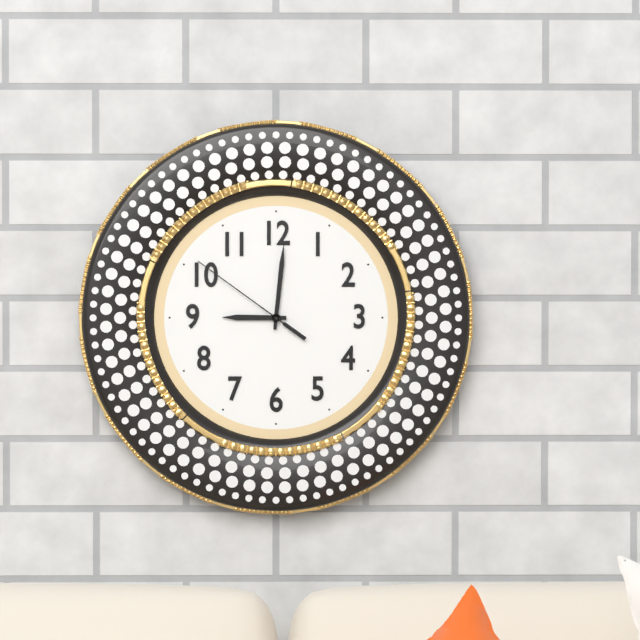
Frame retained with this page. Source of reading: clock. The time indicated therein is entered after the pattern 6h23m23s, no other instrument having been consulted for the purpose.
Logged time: 9h01m51s
